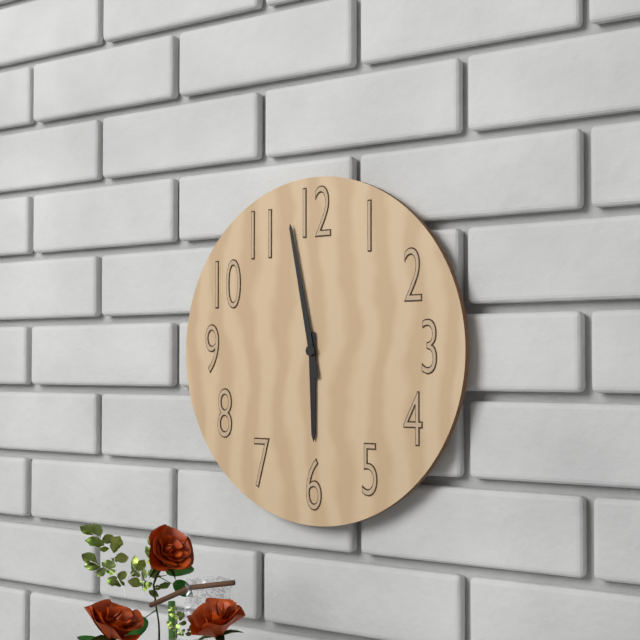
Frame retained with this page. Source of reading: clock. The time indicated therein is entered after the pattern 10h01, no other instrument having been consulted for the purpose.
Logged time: 5h58
